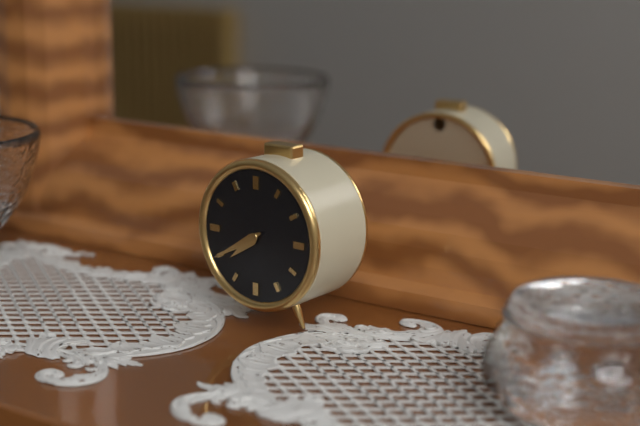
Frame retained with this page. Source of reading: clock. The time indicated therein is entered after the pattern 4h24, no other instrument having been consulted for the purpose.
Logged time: 7h40
